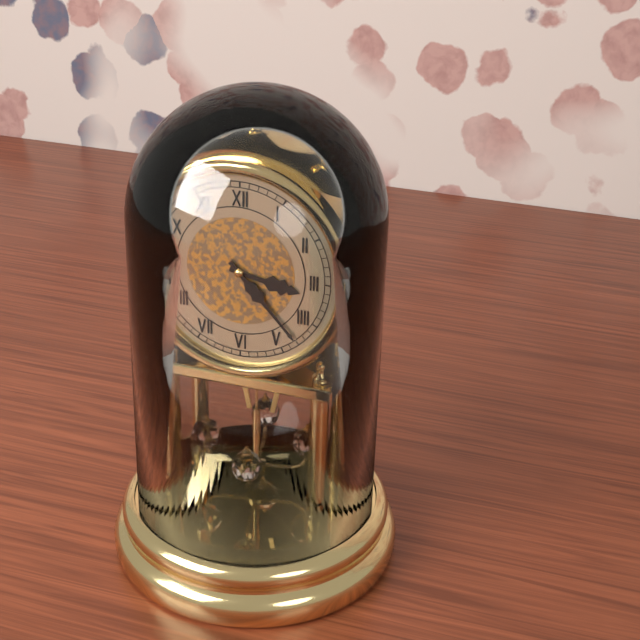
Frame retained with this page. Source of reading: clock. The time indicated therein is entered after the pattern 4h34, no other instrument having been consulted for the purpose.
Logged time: 3h23
